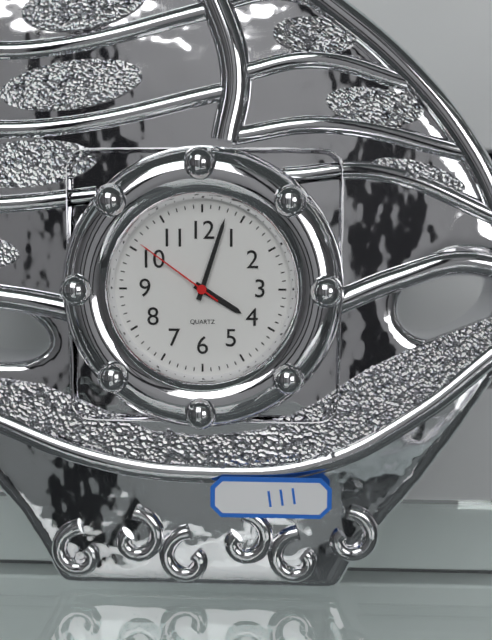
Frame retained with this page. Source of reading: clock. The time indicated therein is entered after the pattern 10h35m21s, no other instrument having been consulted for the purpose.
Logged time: 4h03m51s
